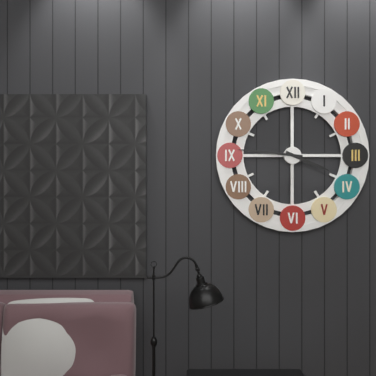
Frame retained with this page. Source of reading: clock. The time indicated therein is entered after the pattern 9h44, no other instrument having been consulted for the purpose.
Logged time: 3h46
